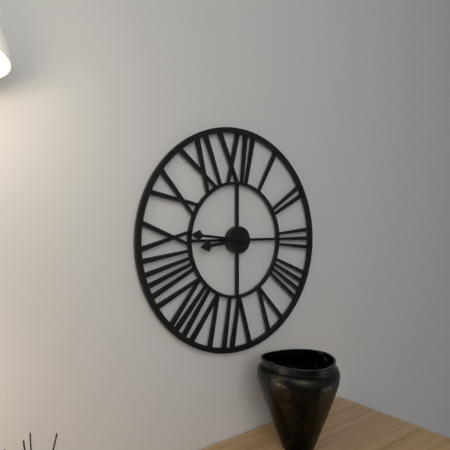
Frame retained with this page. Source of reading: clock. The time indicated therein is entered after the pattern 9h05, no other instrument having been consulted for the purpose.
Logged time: 8h46
